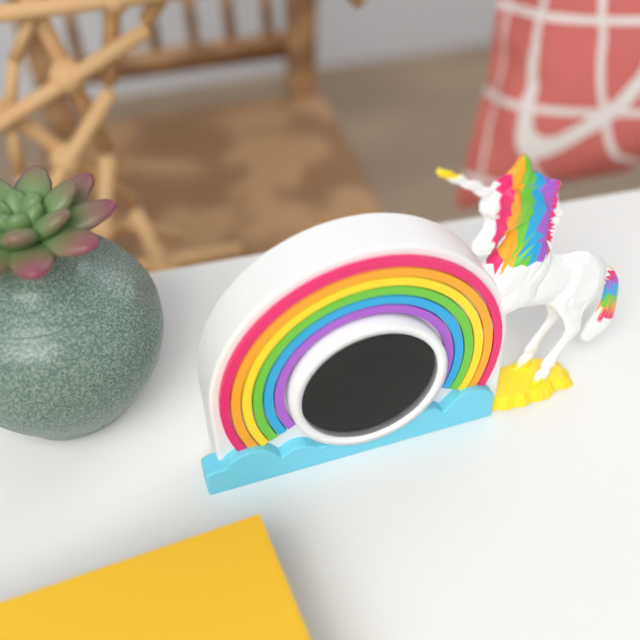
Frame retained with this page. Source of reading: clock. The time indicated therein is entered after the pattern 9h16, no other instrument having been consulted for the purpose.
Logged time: 12h46
